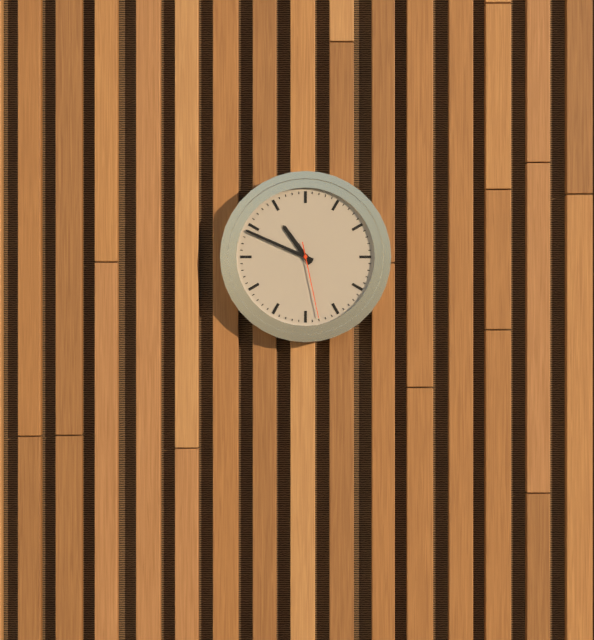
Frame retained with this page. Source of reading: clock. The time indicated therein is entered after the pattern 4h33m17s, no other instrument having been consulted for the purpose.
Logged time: 10h49m28s
